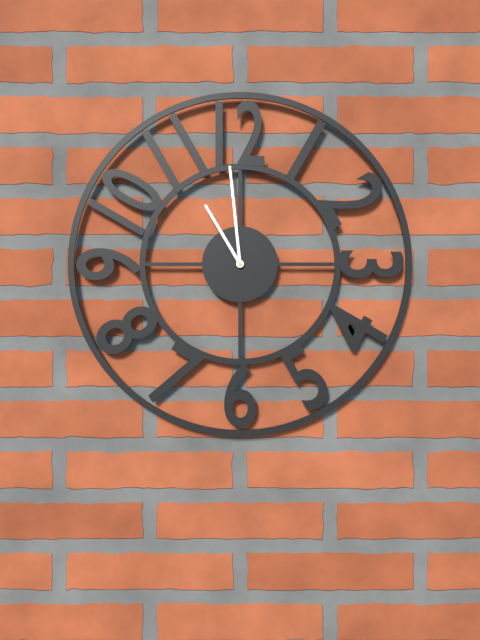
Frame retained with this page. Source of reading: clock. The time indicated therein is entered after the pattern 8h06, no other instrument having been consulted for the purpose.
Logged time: 10h59
